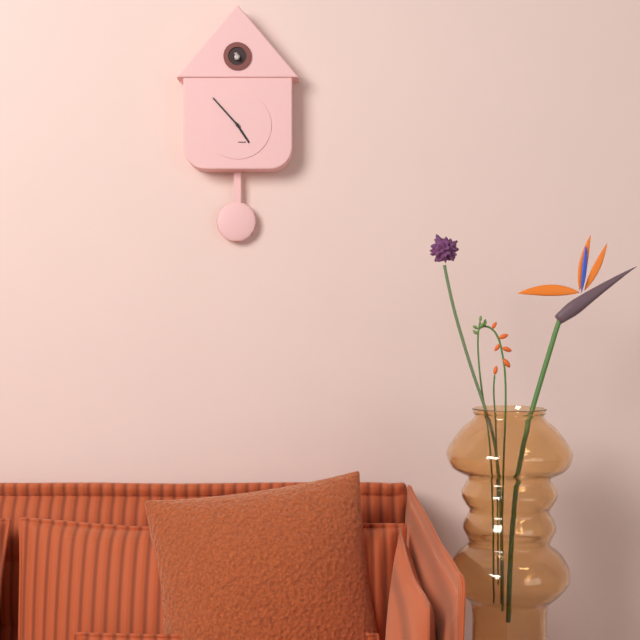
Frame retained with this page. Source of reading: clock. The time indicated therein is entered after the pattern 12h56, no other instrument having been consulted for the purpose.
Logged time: 4h53
